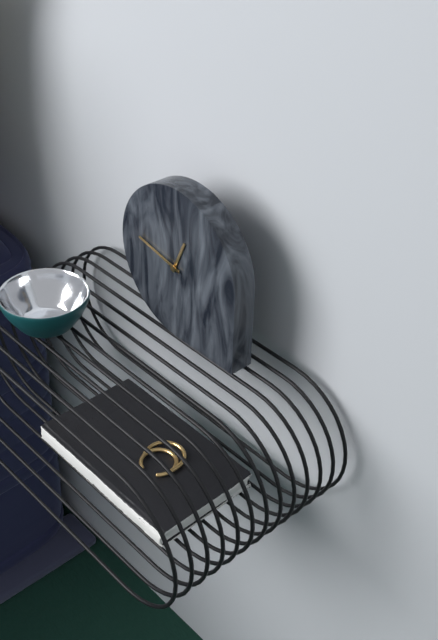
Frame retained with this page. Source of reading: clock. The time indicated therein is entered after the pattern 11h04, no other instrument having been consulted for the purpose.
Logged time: 12h47
